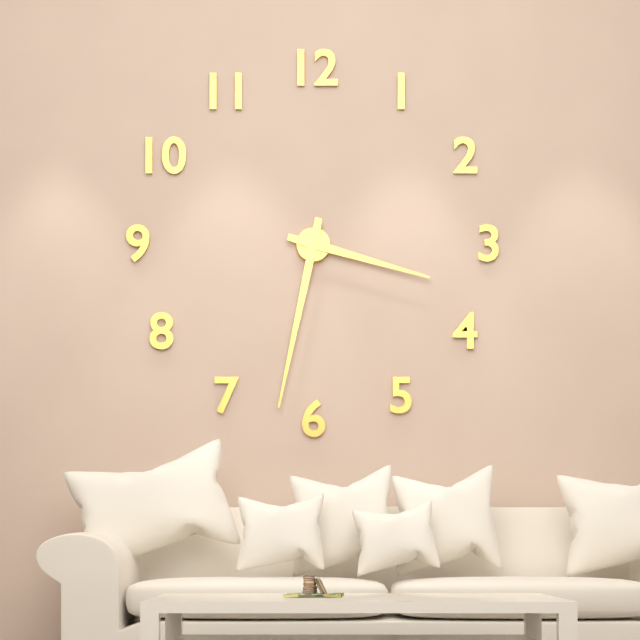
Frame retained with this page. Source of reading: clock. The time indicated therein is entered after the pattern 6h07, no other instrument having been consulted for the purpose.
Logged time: 3h32
